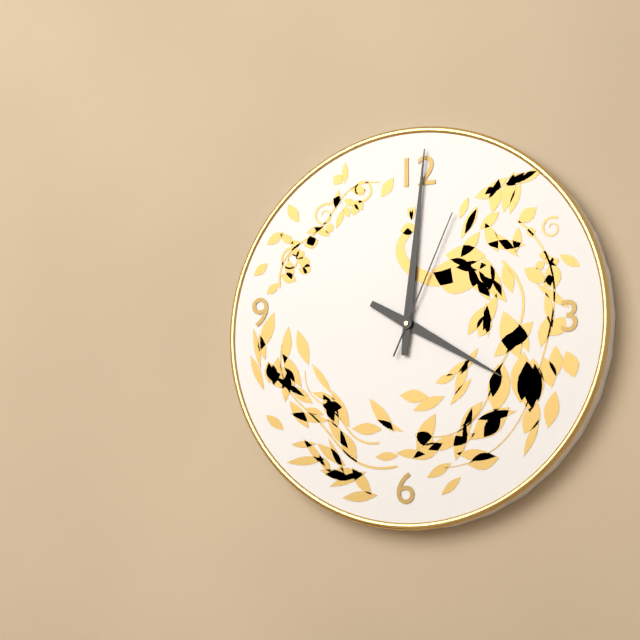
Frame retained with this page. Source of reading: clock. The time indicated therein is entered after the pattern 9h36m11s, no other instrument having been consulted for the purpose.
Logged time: 4h01m04s
